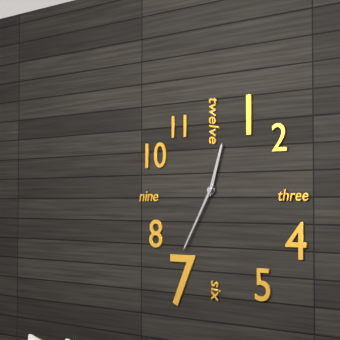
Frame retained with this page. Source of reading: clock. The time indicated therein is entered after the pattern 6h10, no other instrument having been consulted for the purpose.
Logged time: 12h35
